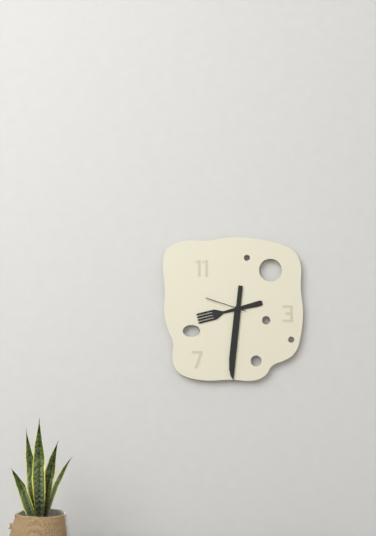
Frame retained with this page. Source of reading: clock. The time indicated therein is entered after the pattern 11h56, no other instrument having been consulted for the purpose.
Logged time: 8h31
